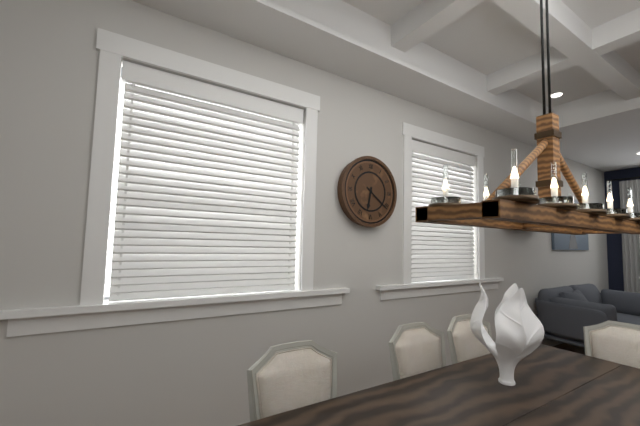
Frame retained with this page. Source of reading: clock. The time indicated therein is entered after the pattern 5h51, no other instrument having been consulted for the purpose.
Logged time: 6h21
